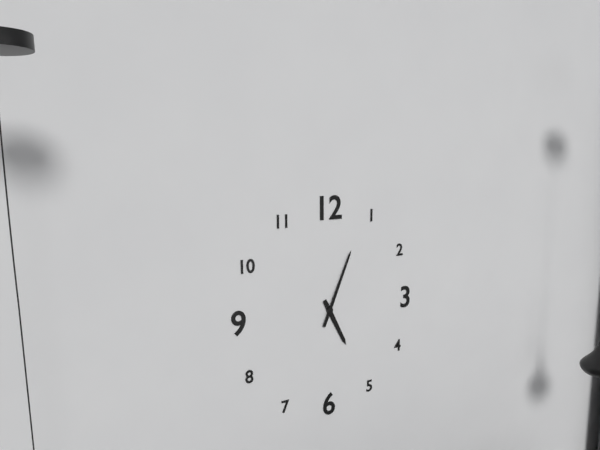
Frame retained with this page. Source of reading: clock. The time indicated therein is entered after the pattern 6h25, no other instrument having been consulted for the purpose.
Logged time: 5h04
